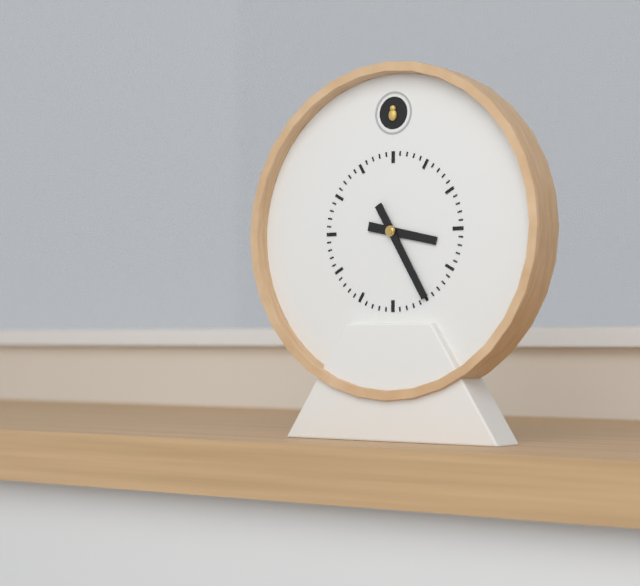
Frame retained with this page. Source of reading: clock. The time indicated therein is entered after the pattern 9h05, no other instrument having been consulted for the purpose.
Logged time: 3h25
